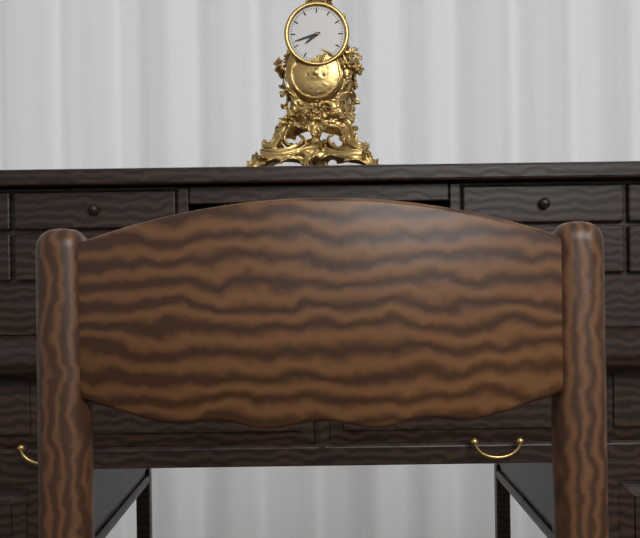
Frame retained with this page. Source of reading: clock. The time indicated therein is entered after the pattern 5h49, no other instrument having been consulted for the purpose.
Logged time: 7h42
